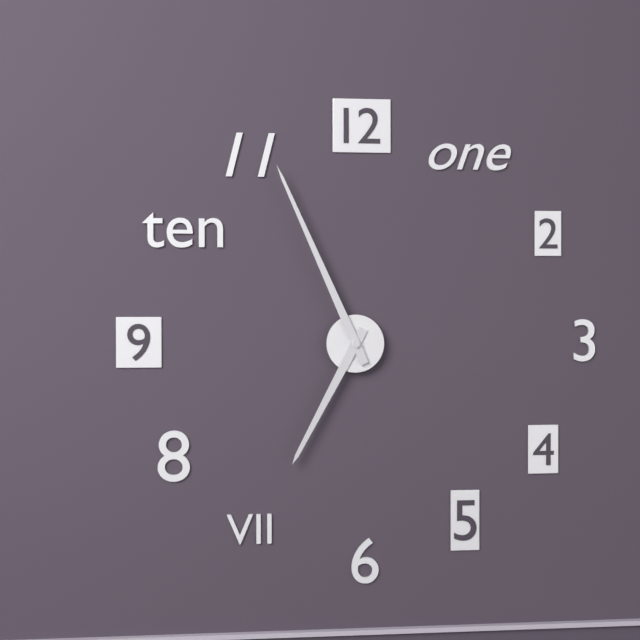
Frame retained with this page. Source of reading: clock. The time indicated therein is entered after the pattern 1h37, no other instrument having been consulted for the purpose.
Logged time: 6h56
